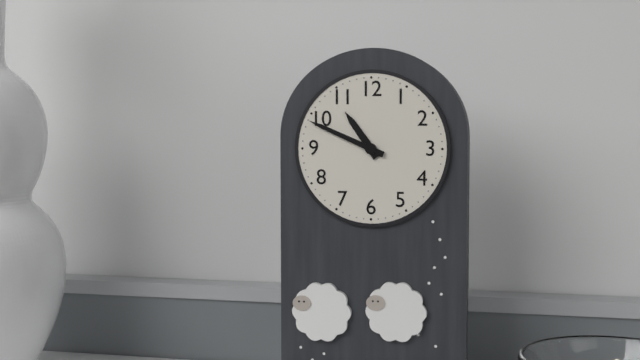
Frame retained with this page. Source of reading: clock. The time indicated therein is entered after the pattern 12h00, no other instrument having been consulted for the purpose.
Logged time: 10h49
